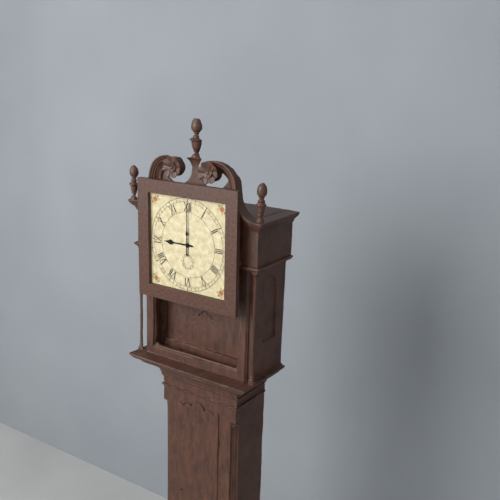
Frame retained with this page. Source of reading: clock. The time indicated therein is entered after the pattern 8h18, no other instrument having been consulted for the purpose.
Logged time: 9h00
